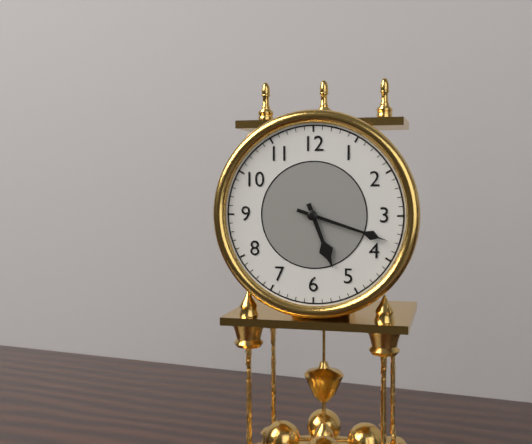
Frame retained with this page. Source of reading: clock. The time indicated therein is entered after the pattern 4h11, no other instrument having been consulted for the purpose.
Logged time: 5h18
